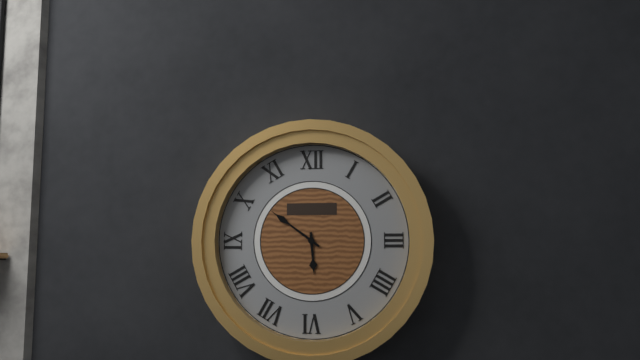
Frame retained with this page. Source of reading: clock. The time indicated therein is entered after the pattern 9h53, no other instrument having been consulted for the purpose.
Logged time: 5h51
